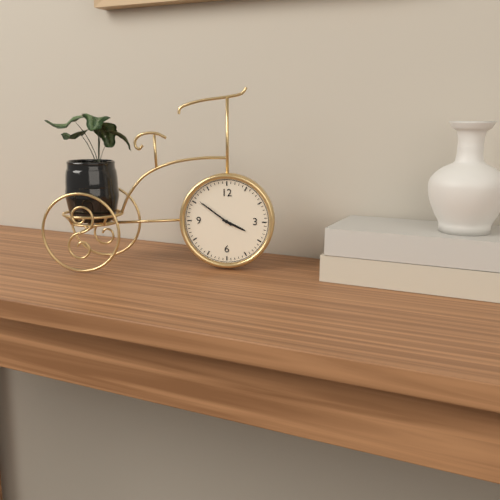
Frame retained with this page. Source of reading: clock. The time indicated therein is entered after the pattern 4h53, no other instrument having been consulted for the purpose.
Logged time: 3h51
